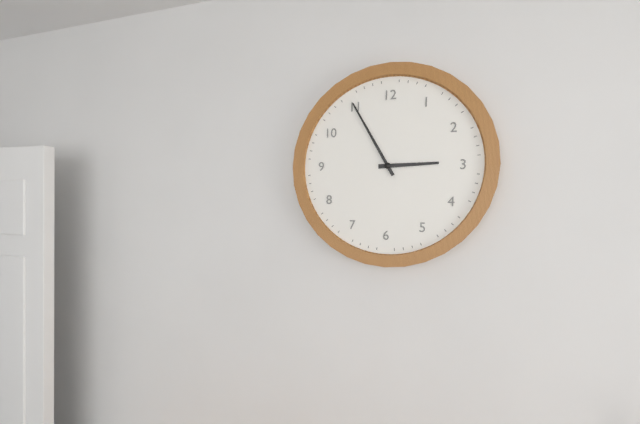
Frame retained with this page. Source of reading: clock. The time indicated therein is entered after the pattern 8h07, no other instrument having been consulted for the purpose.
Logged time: 2h55
